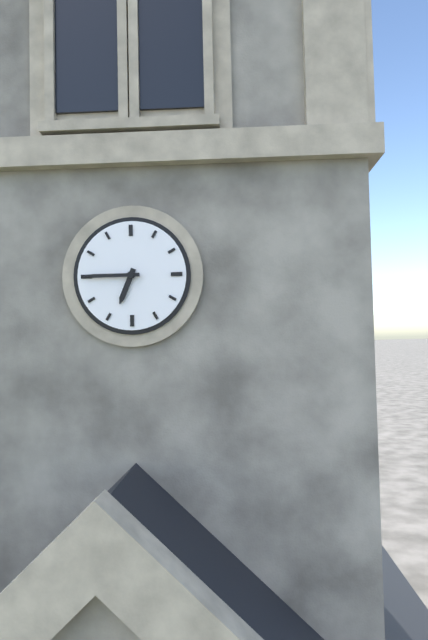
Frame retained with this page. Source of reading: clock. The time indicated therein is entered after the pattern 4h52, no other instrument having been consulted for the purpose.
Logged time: 6h45
